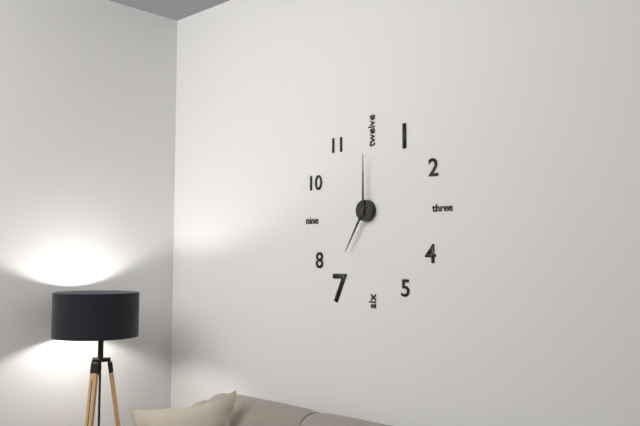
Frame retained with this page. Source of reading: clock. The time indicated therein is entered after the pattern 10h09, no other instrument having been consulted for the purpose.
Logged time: 7h00
